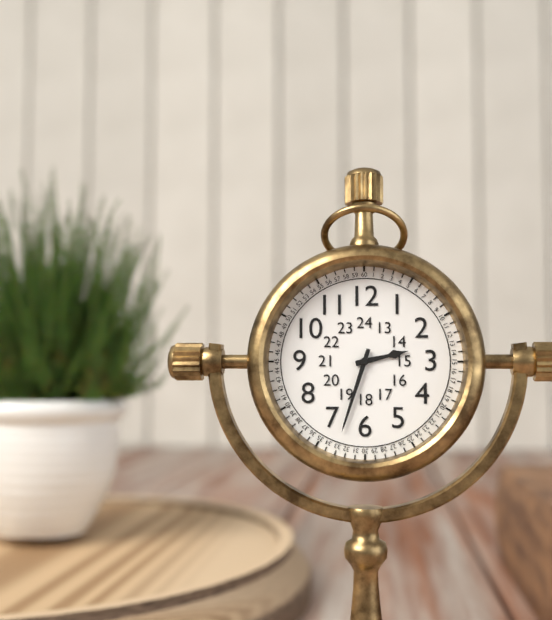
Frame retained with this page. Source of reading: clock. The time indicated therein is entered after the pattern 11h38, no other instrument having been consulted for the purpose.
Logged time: 2h33
